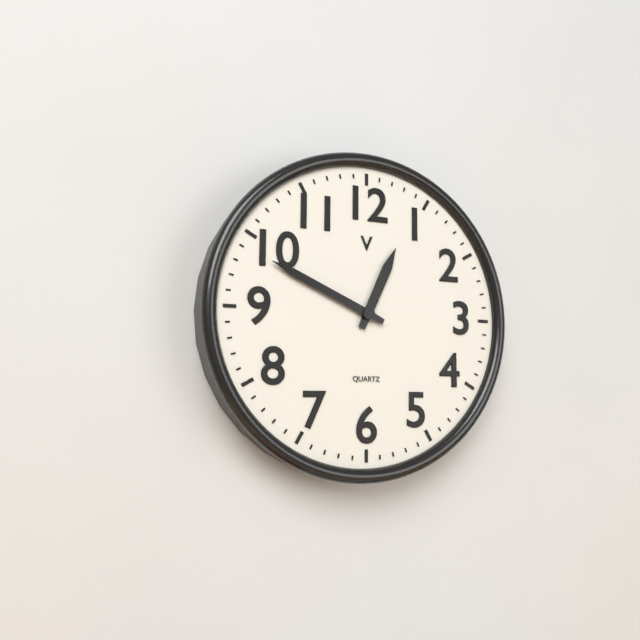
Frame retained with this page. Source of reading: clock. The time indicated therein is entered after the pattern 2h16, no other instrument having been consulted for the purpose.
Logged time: 12h49
